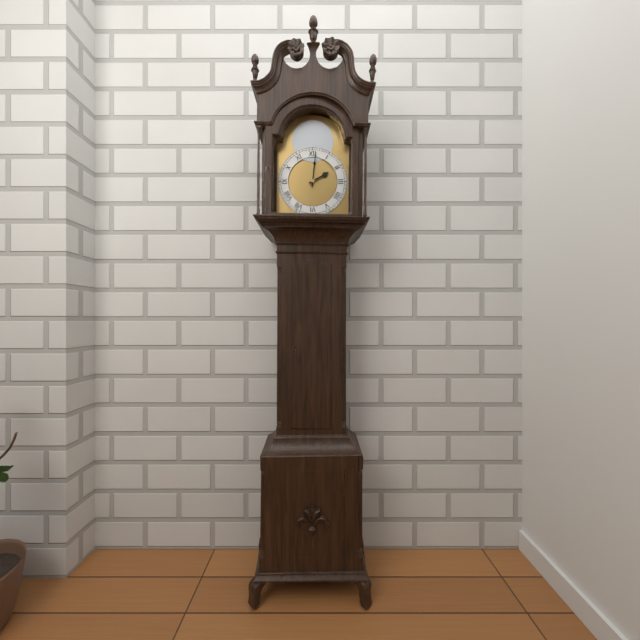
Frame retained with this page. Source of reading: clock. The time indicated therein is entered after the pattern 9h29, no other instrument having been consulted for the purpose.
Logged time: 2h01
